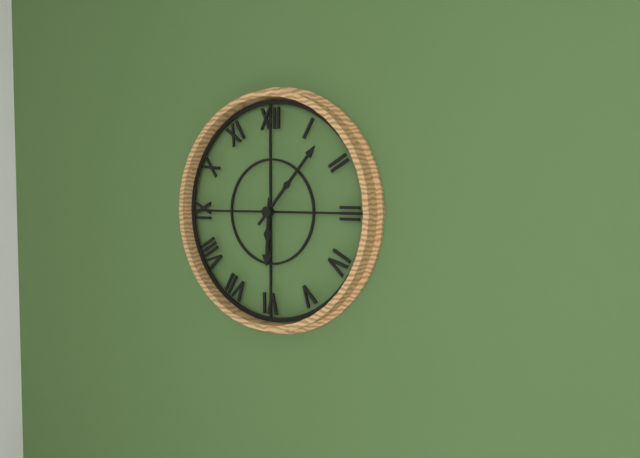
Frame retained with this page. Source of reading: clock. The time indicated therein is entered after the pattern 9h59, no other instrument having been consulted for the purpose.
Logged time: 6h07
